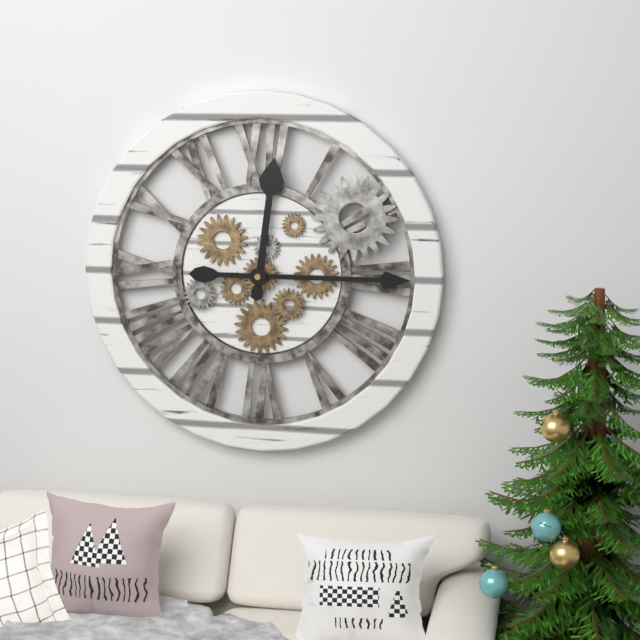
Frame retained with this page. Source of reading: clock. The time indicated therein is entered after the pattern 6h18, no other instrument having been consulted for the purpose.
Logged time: 12h15
